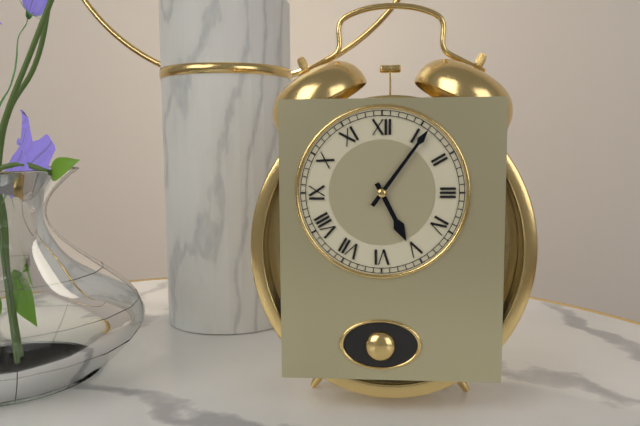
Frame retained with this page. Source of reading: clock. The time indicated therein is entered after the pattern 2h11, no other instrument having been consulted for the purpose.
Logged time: 5h06
